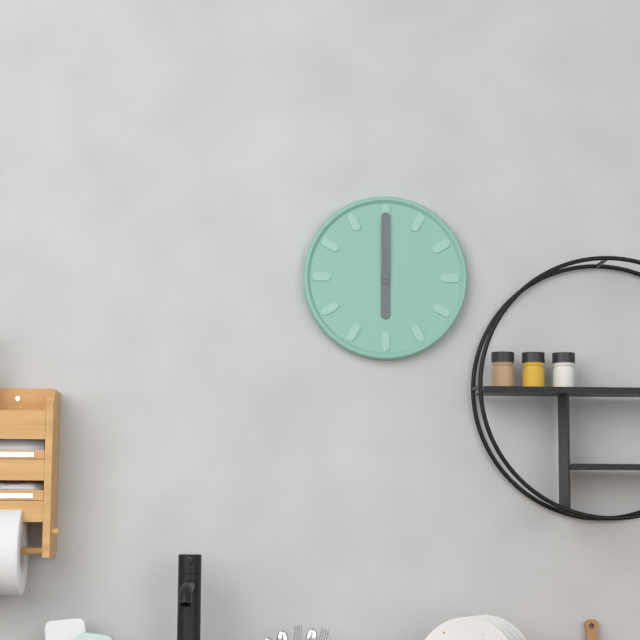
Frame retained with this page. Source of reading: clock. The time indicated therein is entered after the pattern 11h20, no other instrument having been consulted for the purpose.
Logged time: 6h00
